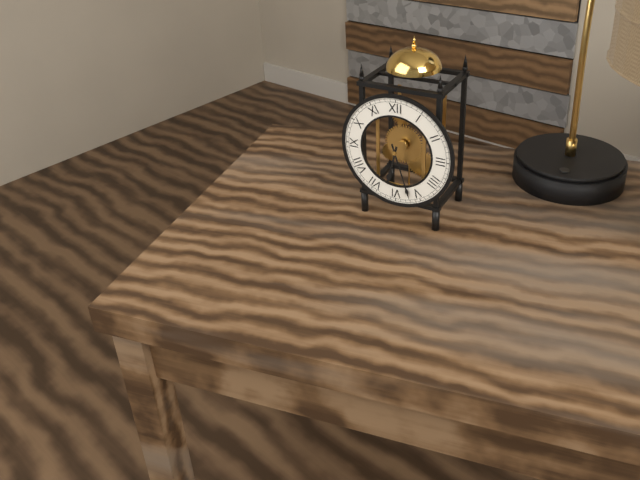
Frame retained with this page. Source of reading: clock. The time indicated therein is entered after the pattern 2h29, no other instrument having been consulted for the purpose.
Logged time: 6h27
